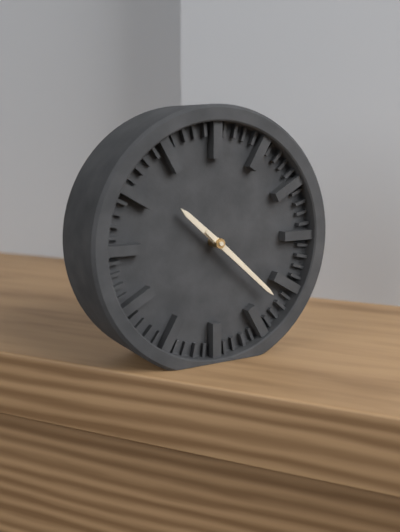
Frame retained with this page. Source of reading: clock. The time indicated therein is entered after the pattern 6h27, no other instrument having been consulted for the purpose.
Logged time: 10h22
